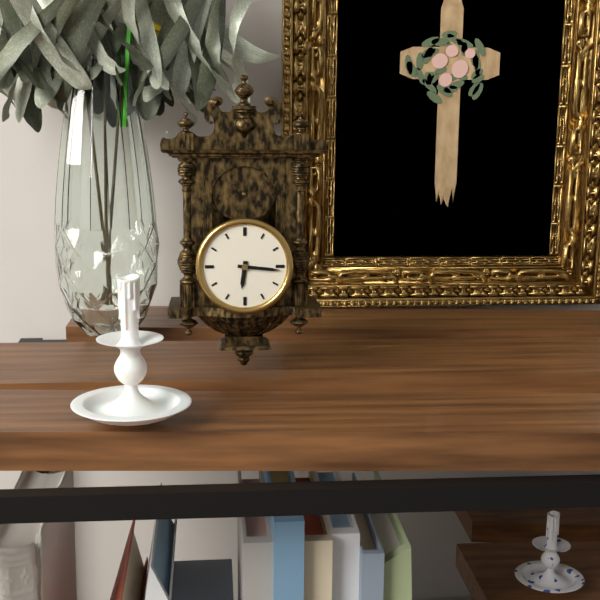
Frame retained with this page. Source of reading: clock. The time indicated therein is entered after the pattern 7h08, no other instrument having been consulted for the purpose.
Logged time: 6h16
